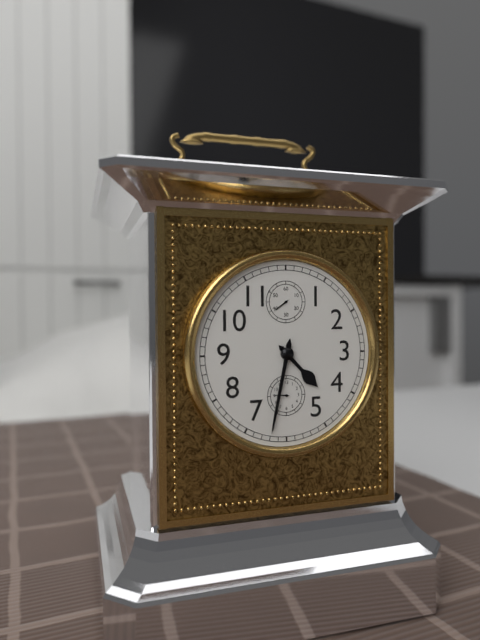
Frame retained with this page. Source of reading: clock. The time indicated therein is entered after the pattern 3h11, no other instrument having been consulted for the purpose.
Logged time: 4h32
